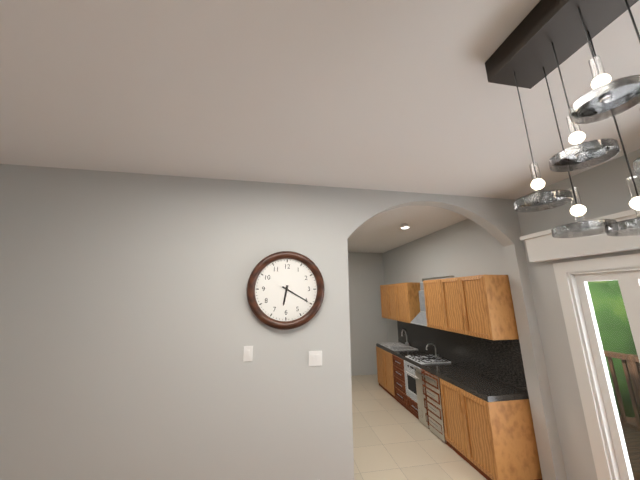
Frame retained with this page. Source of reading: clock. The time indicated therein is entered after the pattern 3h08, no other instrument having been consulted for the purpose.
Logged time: 6h20
